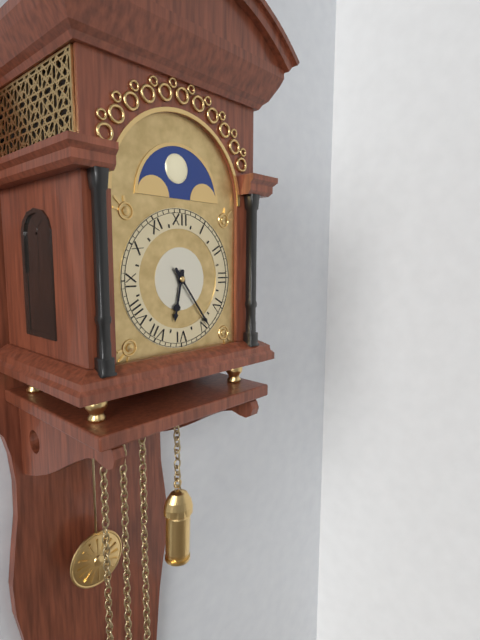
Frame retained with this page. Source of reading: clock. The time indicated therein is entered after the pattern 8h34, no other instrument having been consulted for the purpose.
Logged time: 6h24
